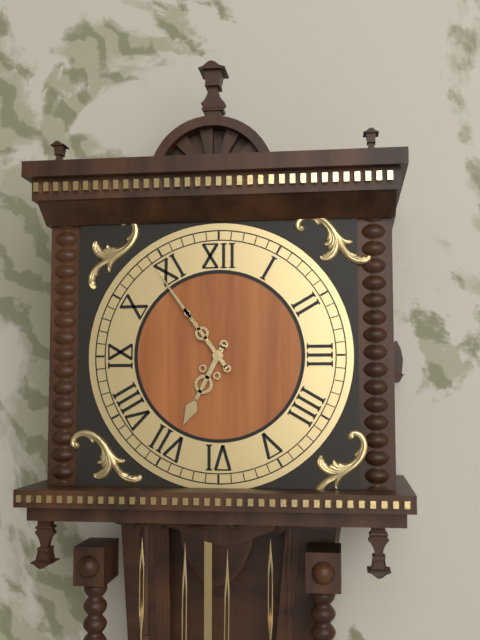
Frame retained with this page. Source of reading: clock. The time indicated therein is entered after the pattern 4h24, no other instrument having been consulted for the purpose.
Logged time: 6h54
